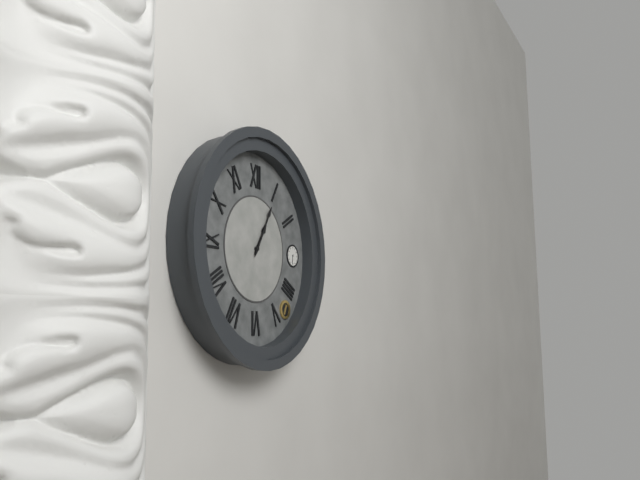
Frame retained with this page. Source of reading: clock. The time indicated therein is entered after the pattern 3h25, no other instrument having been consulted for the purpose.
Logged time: 1h05
